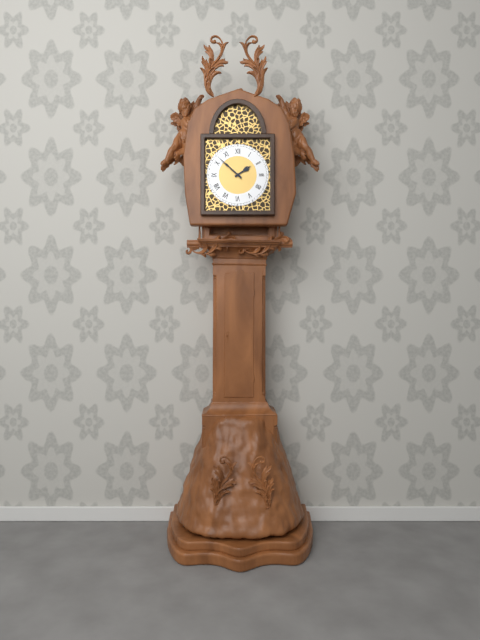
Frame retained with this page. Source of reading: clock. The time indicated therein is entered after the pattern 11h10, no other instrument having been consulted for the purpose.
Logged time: 1h52
